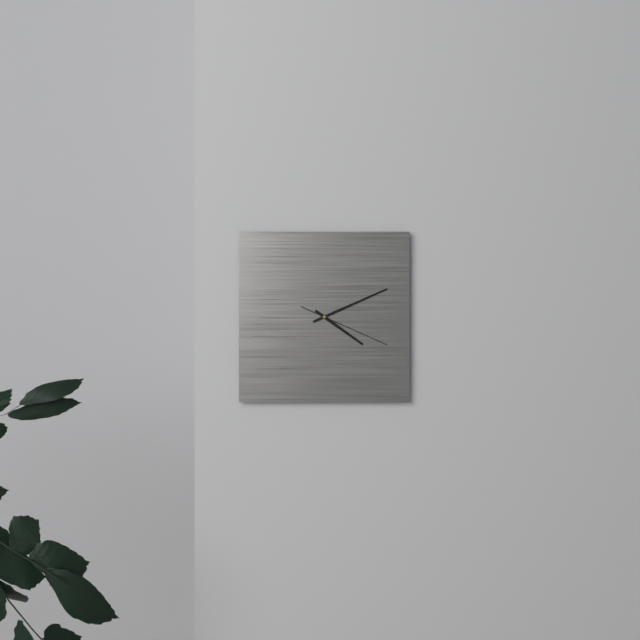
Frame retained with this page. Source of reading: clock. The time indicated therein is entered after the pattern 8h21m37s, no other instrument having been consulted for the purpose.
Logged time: 4h11m19s
